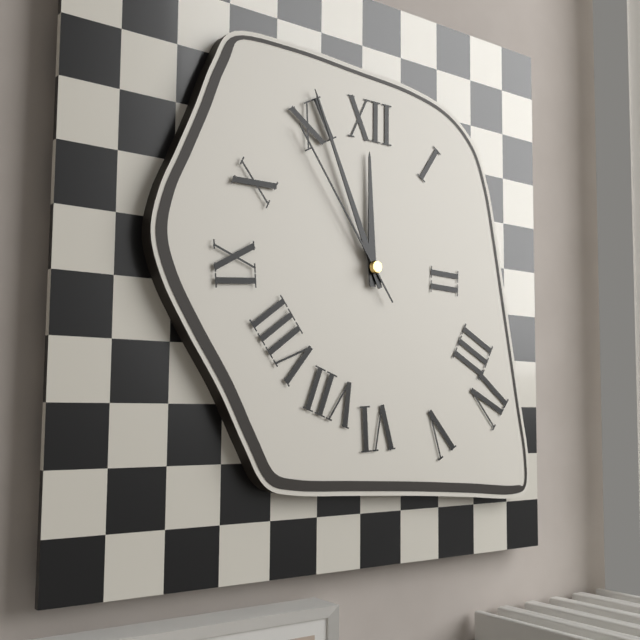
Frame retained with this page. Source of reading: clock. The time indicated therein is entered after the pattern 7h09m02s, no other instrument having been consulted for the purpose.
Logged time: 11h56m54s
